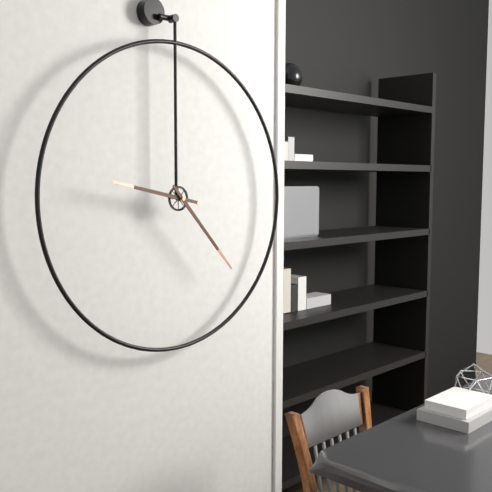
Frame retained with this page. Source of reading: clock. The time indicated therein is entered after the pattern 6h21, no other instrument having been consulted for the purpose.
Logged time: 9h23
